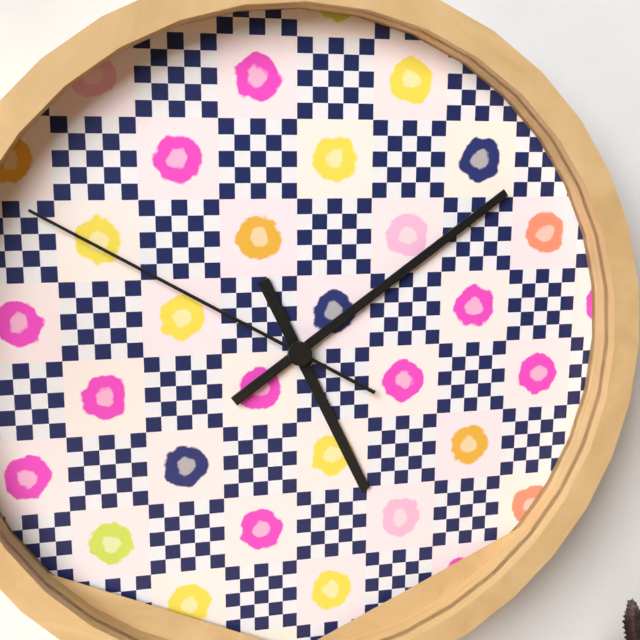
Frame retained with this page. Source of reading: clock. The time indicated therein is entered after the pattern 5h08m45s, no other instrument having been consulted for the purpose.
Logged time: 5h09m50s
